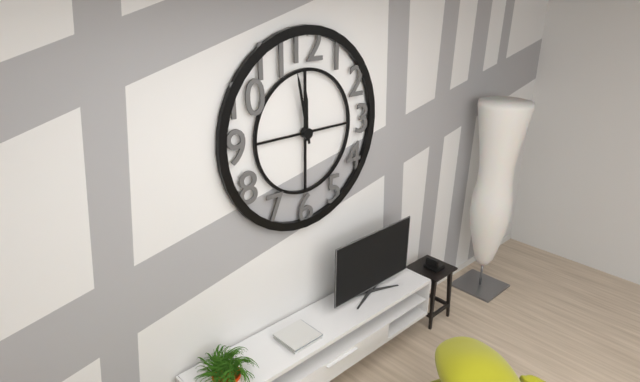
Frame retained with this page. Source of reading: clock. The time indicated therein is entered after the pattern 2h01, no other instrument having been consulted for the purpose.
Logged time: 11h58
